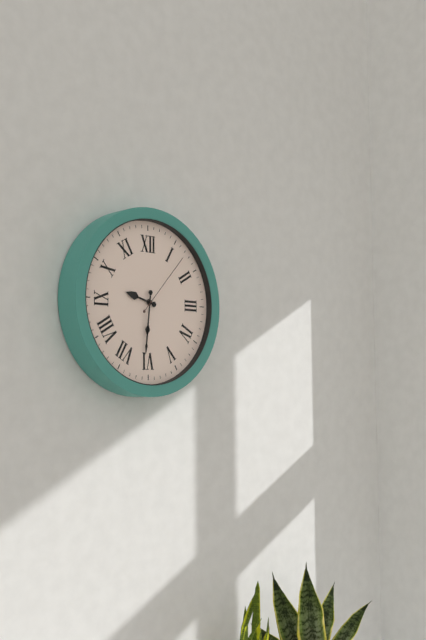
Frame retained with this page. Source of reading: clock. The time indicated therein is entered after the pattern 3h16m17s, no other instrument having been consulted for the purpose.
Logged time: 9h31m07s
